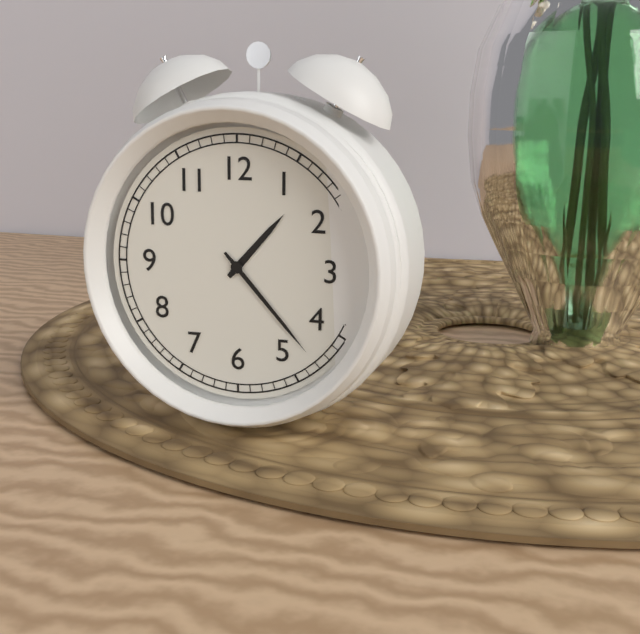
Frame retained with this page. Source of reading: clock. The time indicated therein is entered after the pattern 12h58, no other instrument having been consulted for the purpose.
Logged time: 1h23
